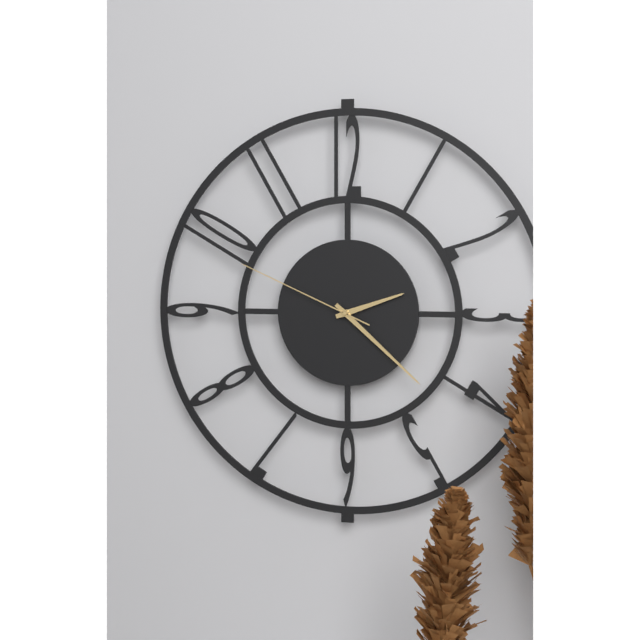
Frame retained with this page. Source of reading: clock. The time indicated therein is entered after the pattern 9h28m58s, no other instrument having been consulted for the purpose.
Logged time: 2h22m49s
